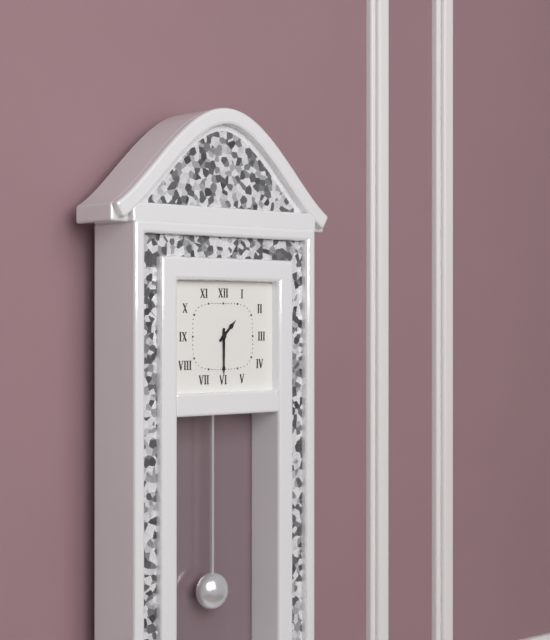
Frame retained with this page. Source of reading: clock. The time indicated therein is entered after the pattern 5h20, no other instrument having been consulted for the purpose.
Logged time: 1h30
